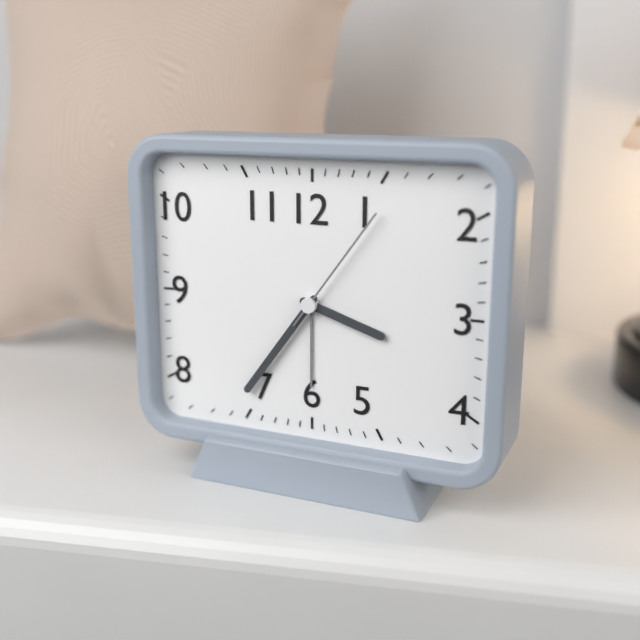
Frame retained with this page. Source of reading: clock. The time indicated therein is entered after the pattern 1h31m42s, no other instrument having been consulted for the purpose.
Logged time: 3h36m06s
